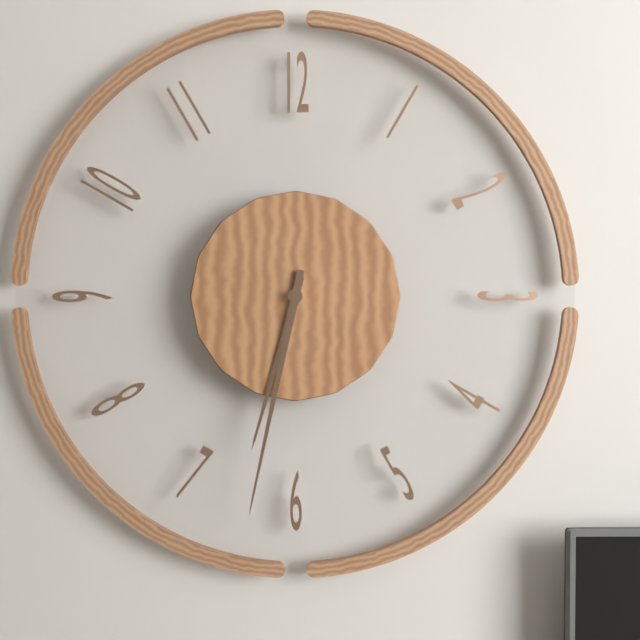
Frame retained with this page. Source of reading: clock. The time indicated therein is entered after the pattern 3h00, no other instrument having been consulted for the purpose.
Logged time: 6h32
